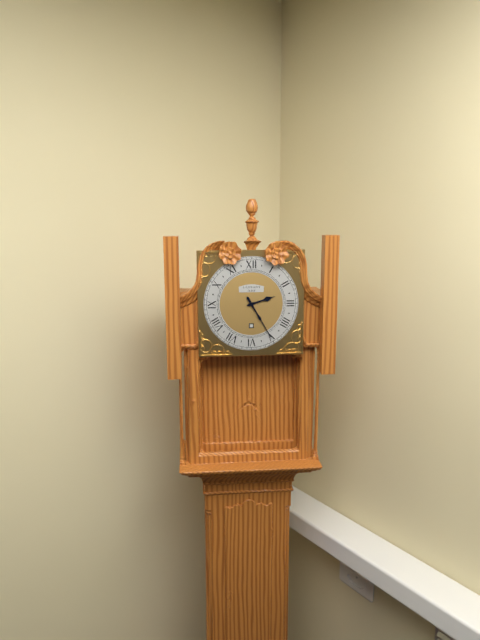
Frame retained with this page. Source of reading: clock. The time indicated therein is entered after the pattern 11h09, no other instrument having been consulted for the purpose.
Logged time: 2h25
